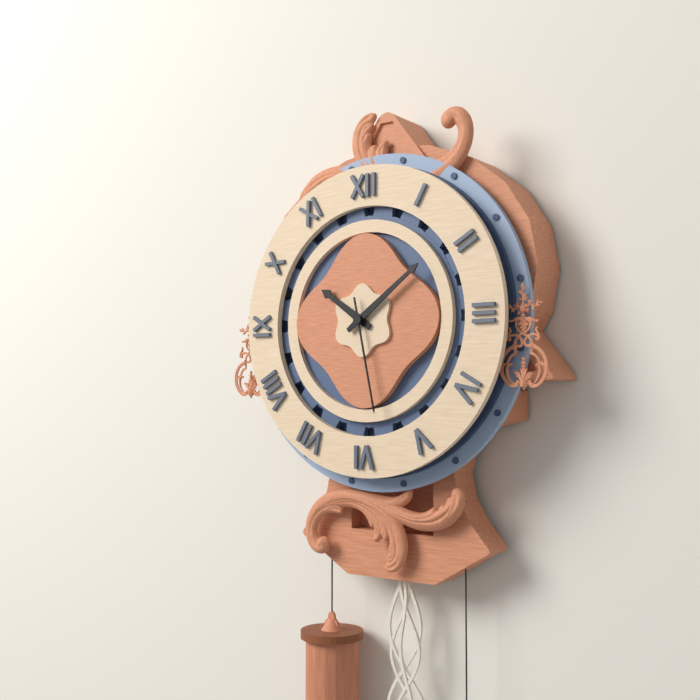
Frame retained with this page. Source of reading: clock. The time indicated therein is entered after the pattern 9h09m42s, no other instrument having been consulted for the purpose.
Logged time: 10h09m28s
